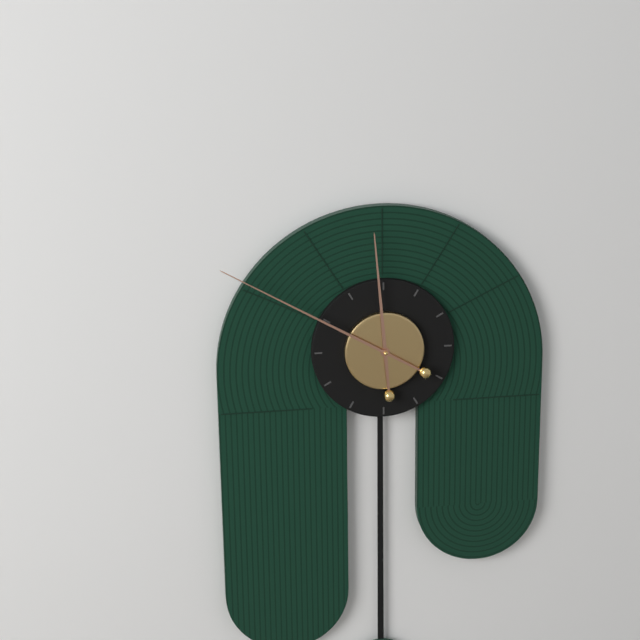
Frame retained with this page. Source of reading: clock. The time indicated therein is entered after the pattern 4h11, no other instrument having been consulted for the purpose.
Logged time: 11h50
